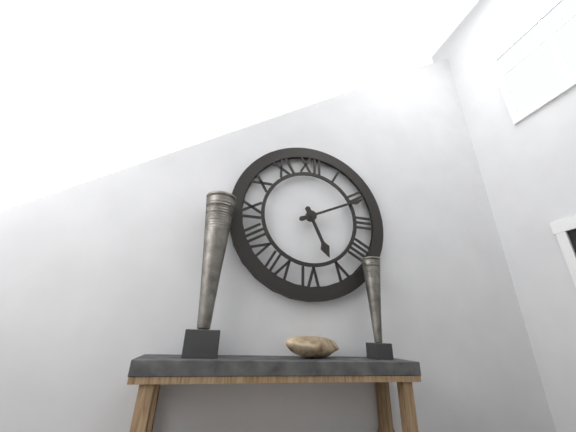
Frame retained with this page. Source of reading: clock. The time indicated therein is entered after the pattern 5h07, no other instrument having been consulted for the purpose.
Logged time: 5h11
